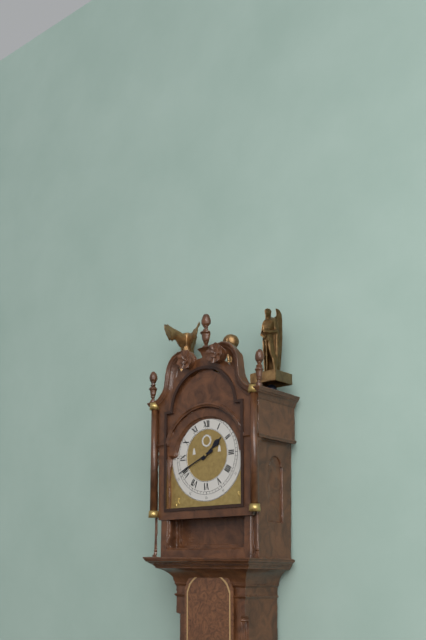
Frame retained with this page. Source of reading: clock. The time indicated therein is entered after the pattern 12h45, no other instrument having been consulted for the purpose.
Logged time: 1h41
